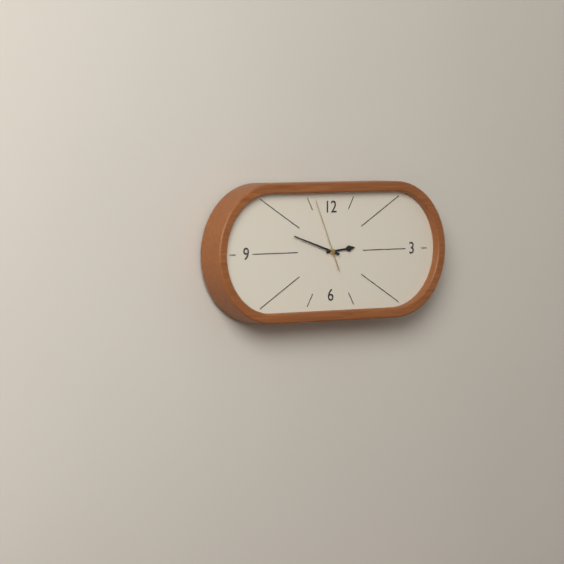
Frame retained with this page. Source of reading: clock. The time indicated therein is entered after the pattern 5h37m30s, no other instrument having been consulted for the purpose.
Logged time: 2h48m56s
